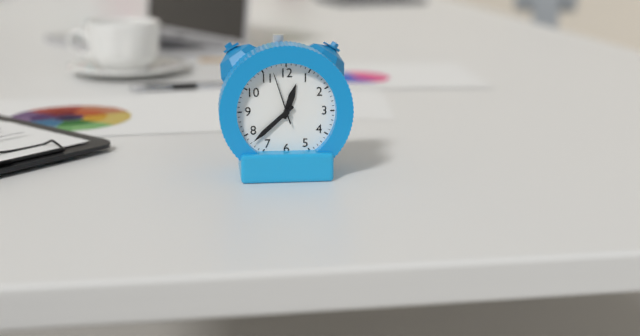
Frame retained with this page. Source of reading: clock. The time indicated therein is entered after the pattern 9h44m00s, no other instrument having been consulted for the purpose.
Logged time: 12h38m57s
